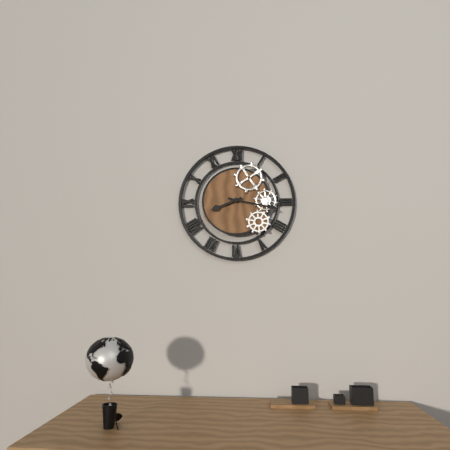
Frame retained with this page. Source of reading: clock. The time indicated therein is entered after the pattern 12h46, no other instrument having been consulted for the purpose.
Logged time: 8h17
